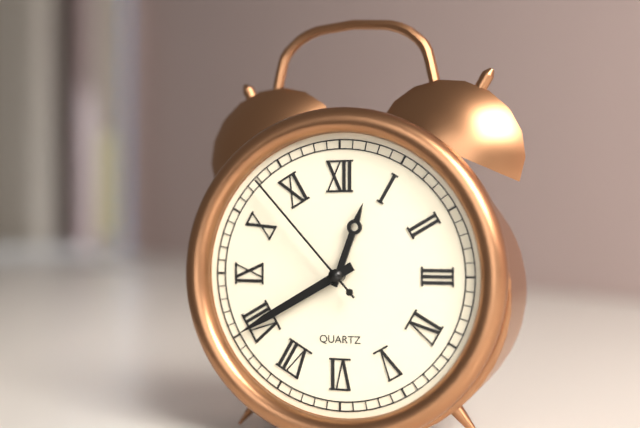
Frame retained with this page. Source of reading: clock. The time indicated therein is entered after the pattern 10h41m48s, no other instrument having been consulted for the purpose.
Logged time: 12h40m53s
